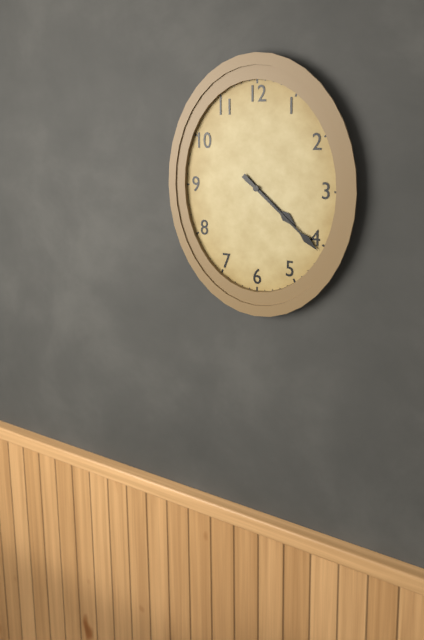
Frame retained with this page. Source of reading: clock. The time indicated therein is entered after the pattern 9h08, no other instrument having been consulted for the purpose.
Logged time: 4h22
